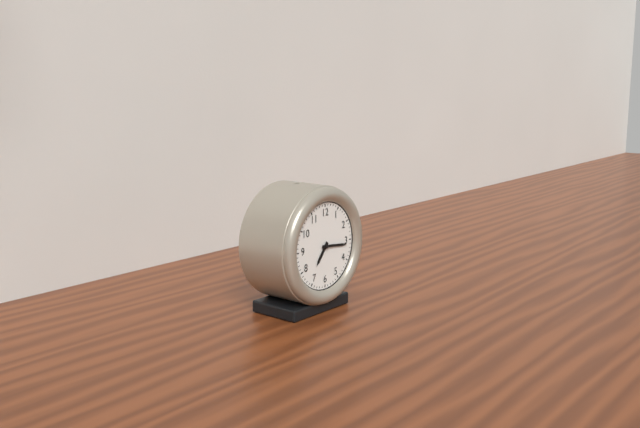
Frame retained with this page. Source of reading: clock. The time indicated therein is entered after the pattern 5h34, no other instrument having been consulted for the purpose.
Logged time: 7h16
